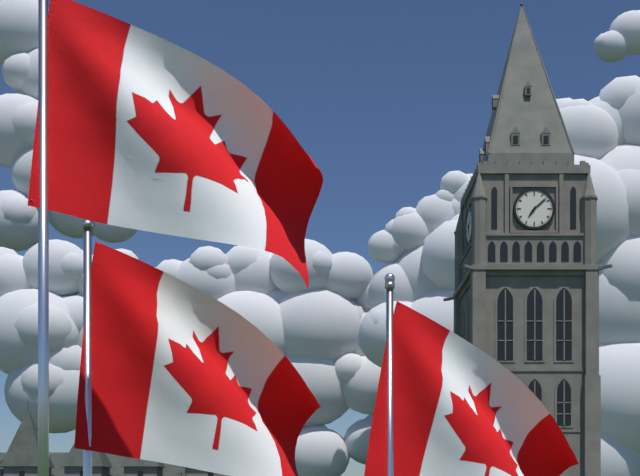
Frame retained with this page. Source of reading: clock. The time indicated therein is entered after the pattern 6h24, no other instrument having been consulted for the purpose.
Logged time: 7h08
